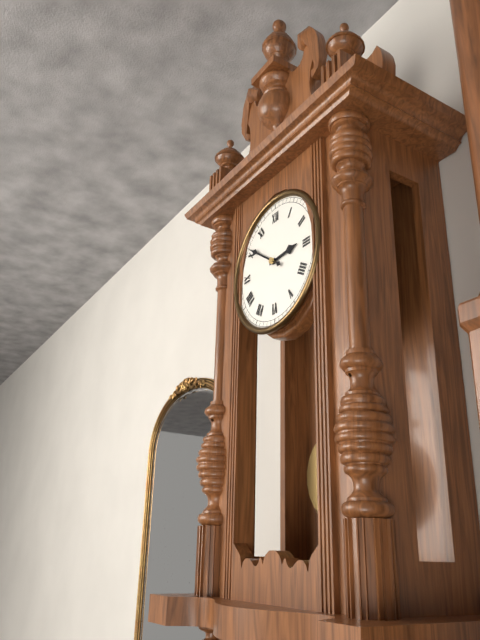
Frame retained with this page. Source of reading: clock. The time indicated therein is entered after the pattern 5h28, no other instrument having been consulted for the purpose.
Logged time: 2h51
